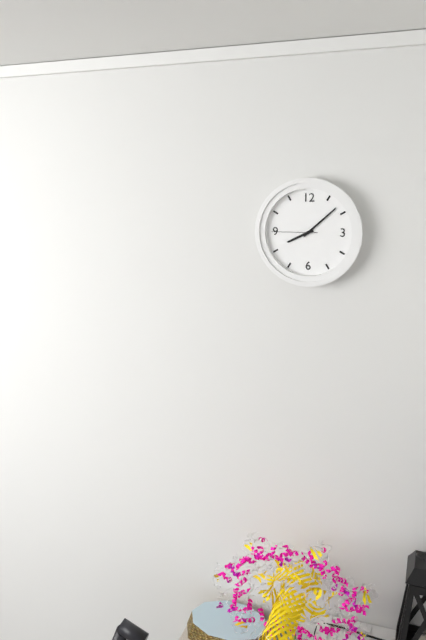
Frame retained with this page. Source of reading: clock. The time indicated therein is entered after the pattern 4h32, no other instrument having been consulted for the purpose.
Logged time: 8h08
